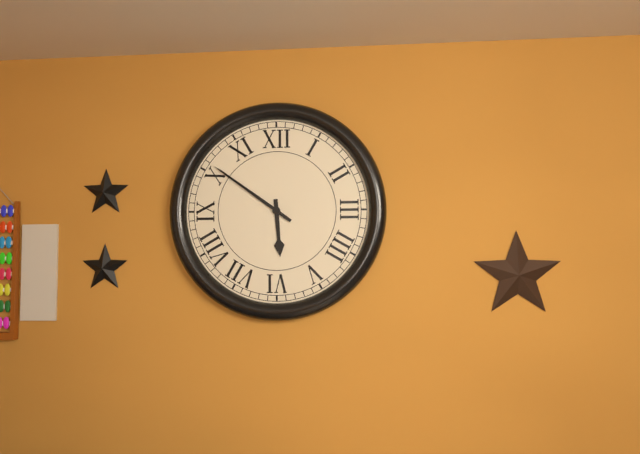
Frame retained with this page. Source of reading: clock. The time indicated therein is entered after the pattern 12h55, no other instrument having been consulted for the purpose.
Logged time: 5h51
